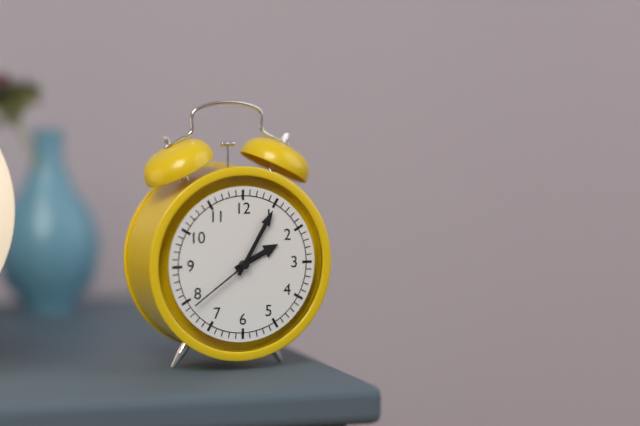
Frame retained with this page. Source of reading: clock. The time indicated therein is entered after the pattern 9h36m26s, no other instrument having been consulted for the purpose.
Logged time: 2h05m39s
